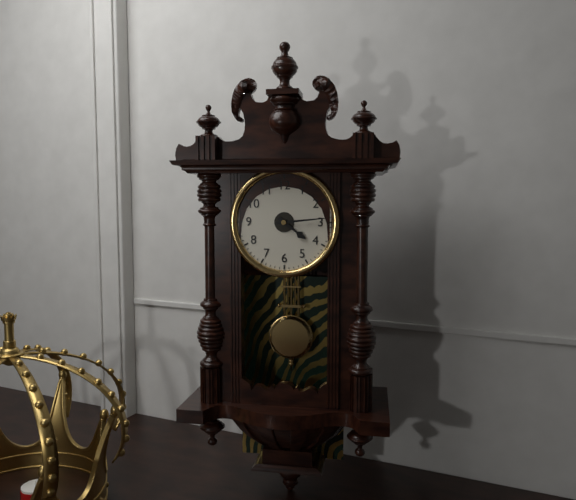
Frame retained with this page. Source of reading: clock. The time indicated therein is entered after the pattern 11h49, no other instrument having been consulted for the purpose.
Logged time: 4h14
